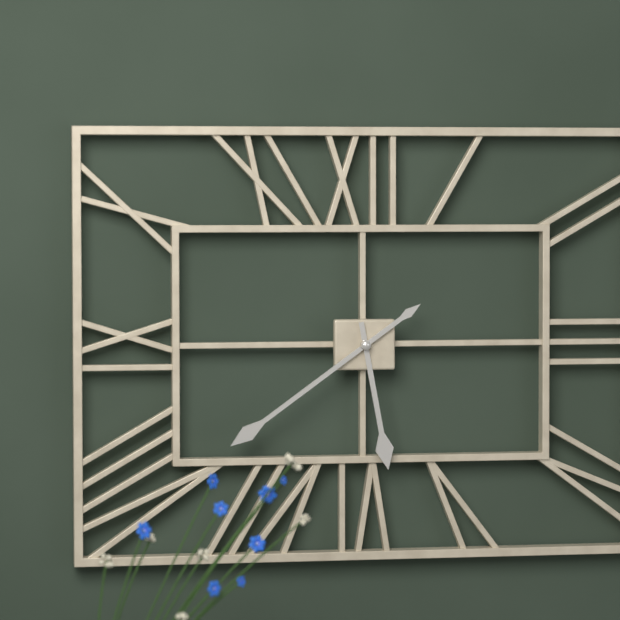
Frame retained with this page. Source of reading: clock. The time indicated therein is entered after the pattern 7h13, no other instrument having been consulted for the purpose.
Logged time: 5h39
